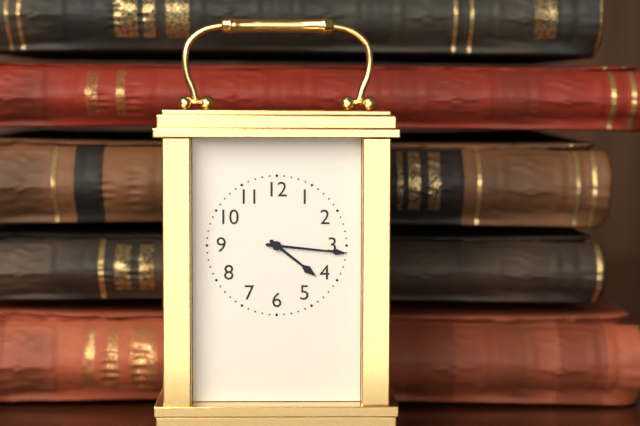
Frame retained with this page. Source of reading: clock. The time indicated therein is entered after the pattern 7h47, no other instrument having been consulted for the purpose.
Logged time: 4h16
